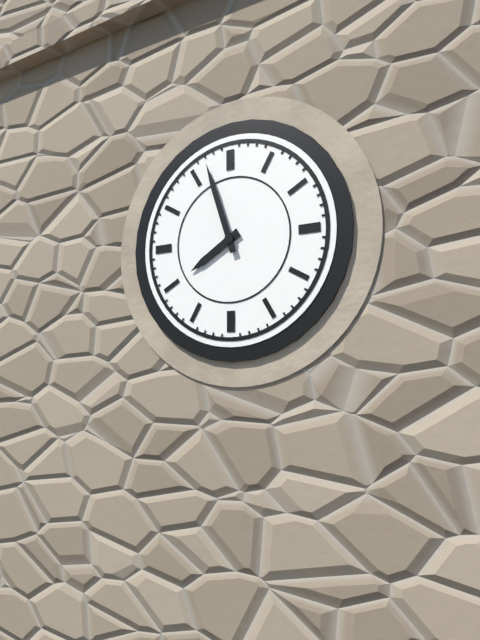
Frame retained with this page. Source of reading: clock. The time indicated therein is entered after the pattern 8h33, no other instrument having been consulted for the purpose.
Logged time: 7h57
